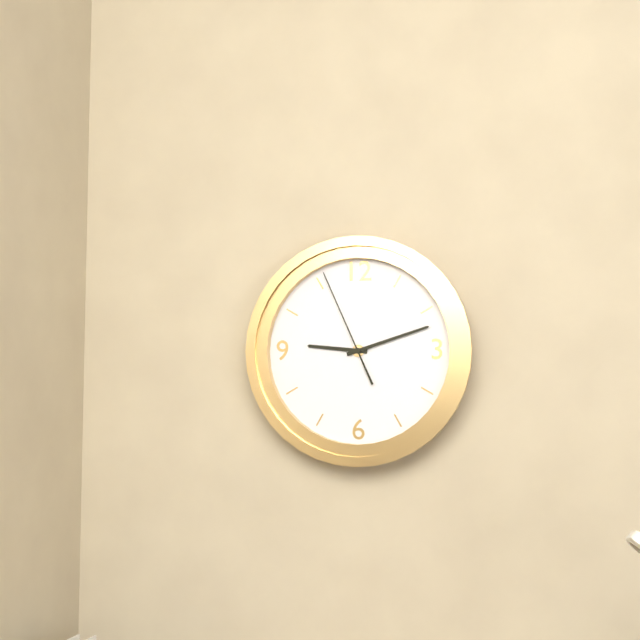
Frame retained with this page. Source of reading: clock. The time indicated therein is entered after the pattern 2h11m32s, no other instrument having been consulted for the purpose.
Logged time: 9h12m56s
